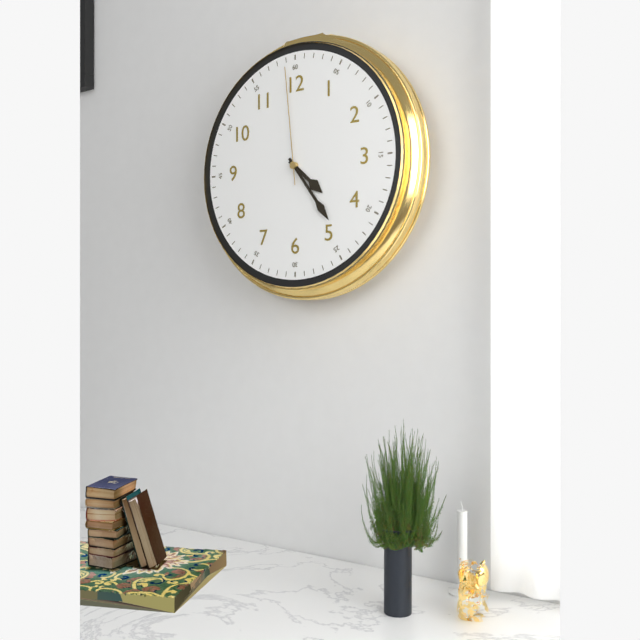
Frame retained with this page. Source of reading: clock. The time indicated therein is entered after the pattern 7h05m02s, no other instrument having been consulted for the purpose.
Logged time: 4h24m59s
